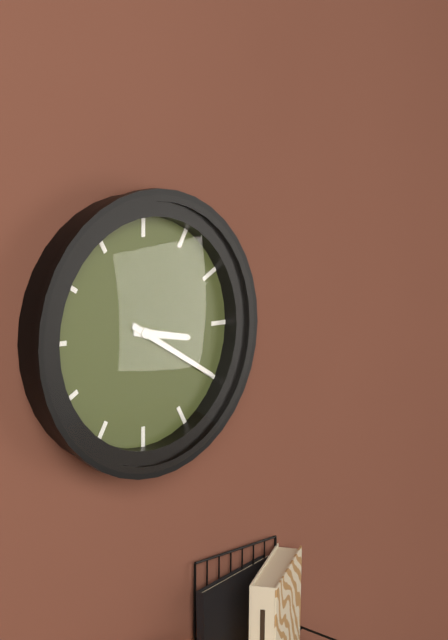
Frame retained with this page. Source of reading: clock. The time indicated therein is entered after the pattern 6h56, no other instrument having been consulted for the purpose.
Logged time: 3h20
